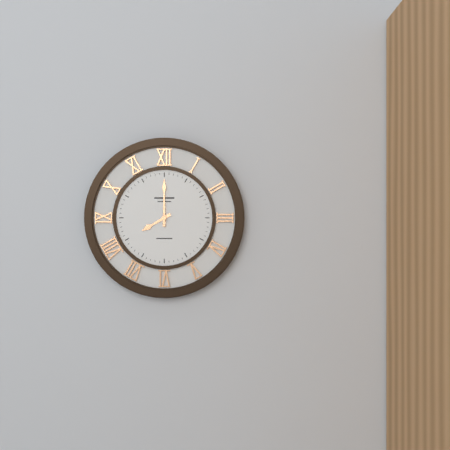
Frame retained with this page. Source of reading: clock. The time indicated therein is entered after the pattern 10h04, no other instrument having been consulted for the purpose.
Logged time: 8h00
